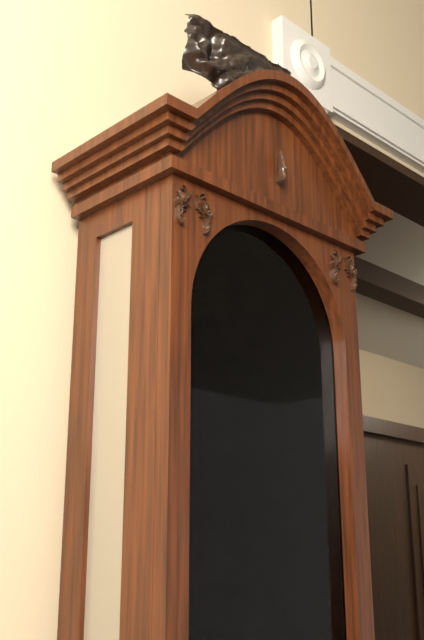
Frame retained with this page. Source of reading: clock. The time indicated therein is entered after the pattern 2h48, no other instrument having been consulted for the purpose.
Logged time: 1h15
